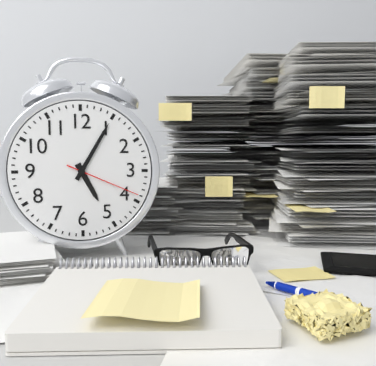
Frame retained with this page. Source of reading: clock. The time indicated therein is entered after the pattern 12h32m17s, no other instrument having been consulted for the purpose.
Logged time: 5h05m19s
